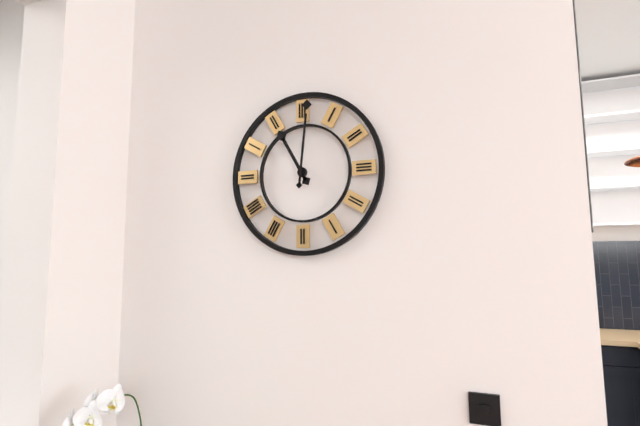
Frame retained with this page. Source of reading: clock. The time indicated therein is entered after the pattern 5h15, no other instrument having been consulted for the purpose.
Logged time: 11h01
